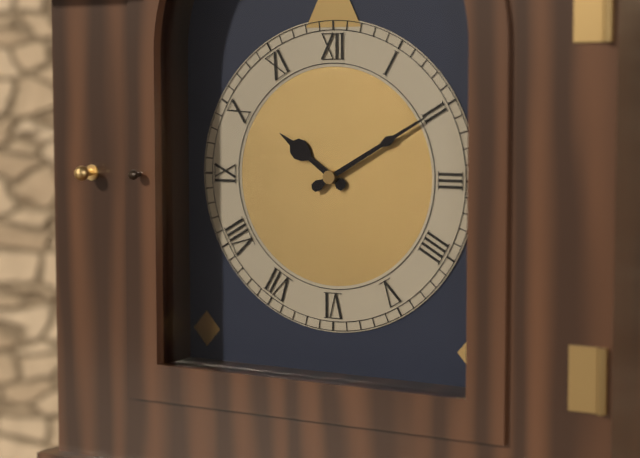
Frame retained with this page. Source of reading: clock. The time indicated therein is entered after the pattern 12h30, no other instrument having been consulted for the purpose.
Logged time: 10h10
